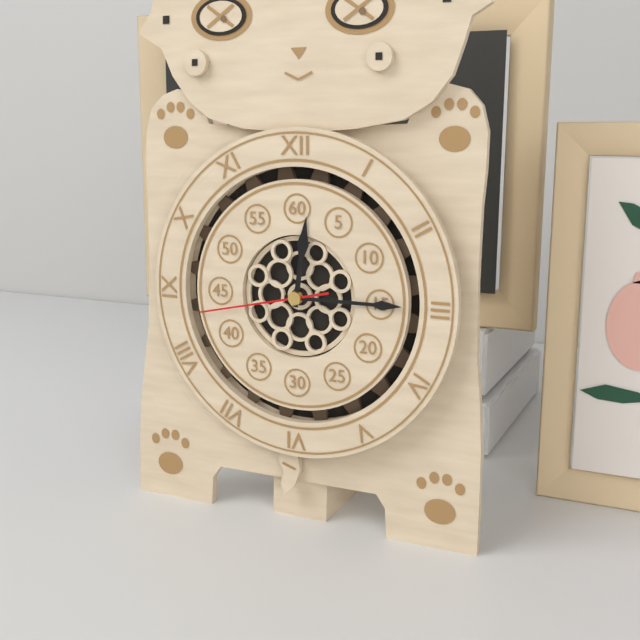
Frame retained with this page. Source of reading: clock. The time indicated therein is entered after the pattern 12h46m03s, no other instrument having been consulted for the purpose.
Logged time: 12h15m43s
